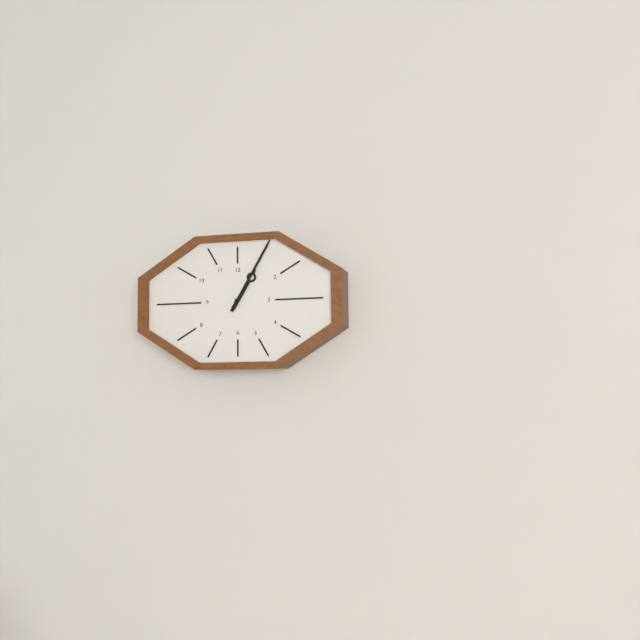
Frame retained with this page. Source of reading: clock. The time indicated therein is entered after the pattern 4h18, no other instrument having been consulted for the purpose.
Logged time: 1h05
